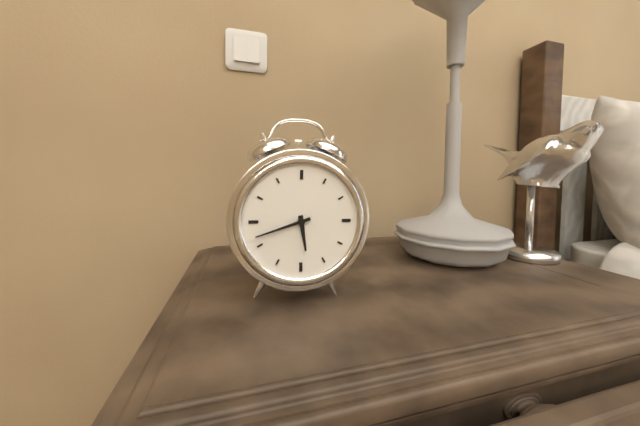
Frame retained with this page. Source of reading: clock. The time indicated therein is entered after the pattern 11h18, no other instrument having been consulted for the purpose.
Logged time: 5h42
